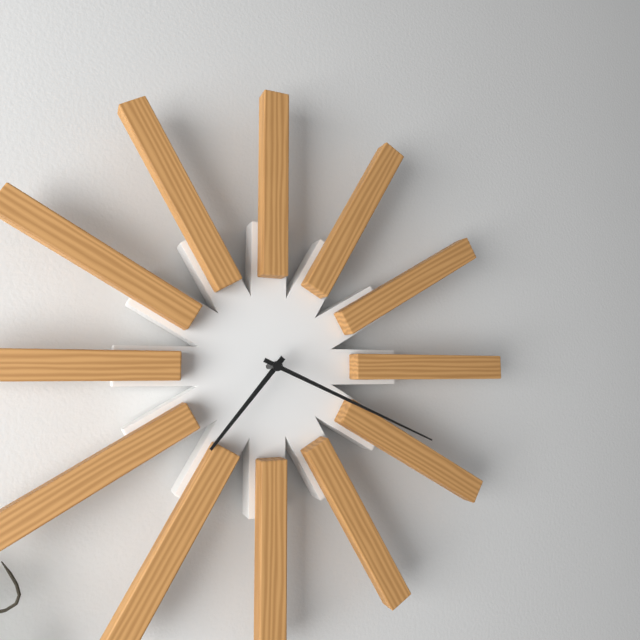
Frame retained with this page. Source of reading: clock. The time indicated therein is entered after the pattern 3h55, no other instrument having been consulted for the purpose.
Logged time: 7h19
